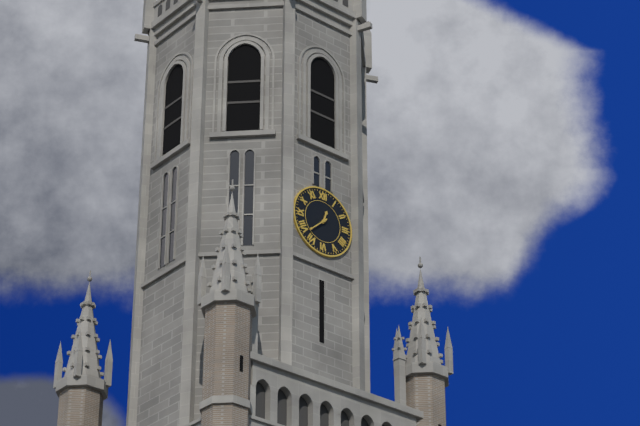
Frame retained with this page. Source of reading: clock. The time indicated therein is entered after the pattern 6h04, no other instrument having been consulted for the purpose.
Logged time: 12h38
